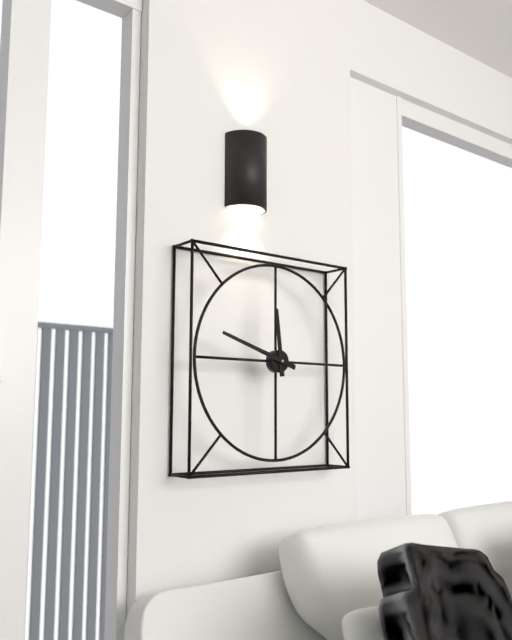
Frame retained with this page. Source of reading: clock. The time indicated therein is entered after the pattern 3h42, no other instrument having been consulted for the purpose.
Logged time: 11h48
